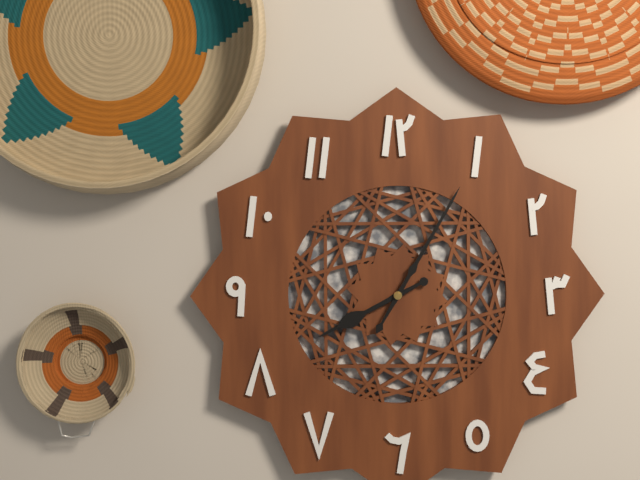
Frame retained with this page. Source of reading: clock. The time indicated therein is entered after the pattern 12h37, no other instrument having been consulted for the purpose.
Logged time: 8h05
